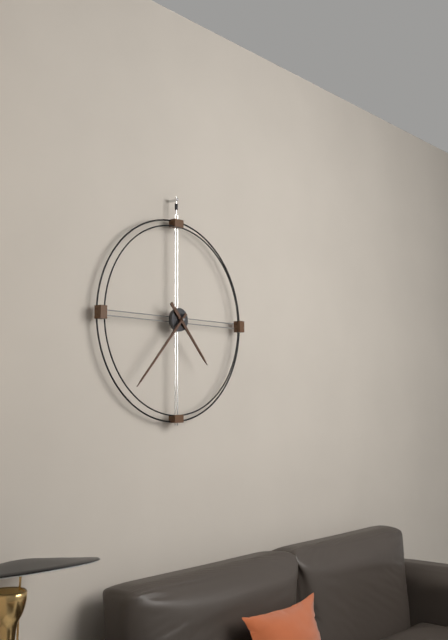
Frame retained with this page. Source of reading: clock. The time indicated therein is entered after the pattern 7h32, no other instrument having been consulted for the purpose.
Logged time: 4h37
